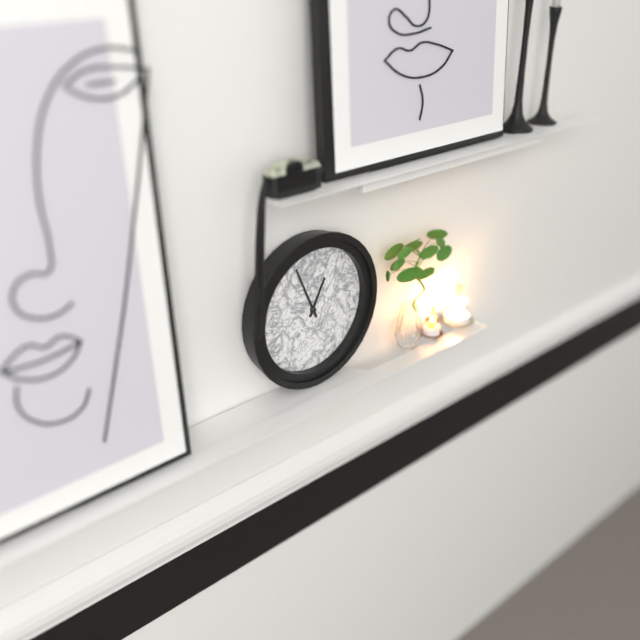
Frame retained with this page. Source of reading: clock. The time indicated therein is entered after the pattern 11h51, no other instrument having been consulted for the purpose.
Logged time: 12h56
